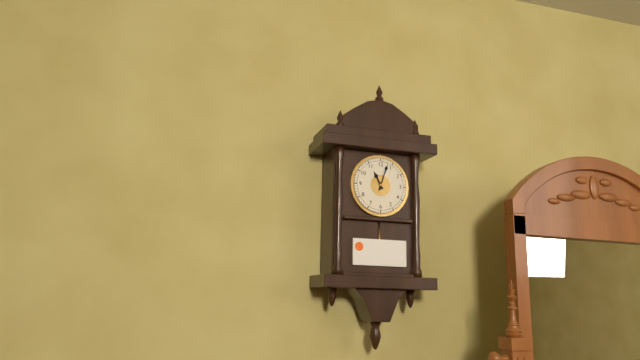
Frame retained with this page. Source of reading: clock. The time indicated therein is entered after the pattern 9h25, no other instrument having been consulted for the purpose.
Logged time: 11h03
